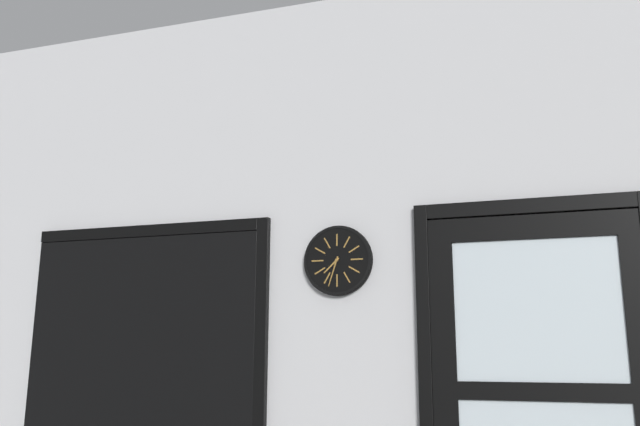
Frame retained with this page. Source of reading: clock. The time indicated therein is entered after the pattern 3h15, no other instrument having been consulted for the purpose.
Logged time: 7h33
